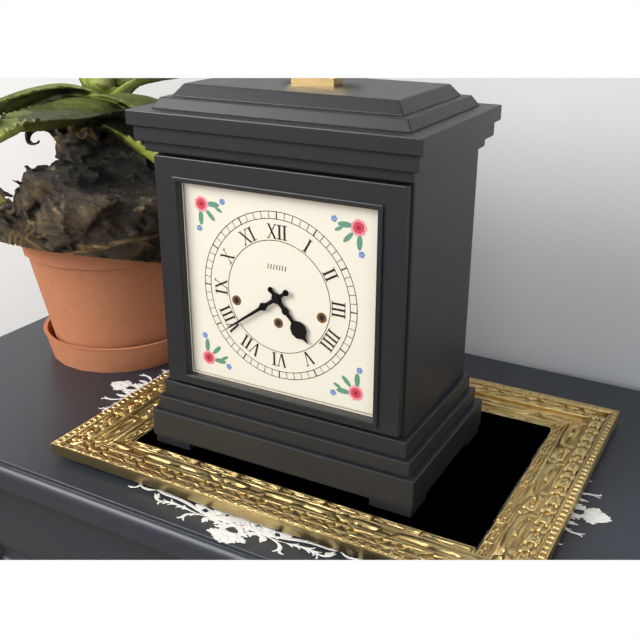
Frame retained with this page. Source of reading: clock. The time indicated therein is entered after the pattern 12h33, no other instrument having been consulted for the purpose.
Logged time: 4h39
